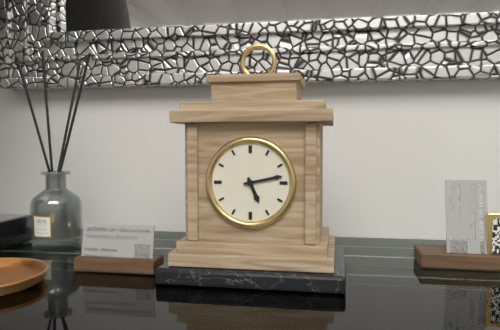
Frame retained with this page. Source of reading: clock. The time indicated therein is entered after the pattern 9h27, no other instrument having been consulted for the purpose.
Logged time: 5h13
